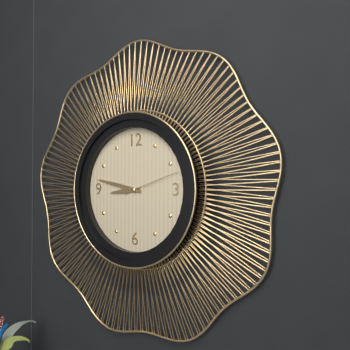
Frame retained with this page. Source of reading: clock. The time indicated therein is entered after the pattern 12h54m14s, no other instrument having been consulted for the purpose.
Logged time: 8h47m12s
